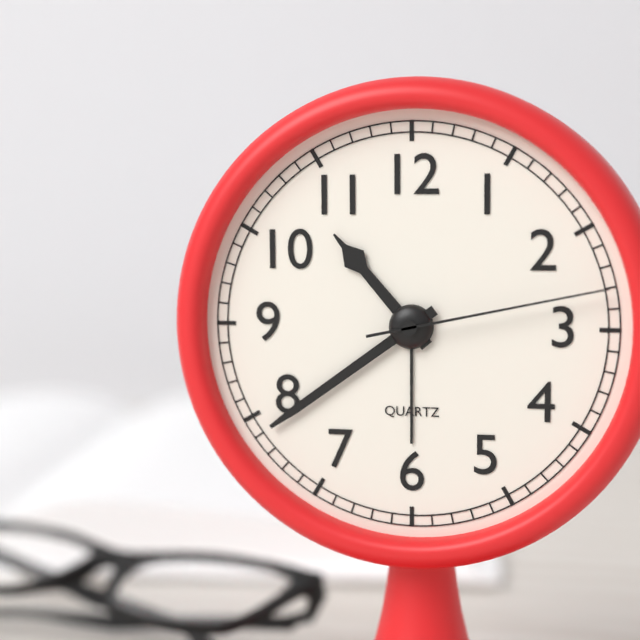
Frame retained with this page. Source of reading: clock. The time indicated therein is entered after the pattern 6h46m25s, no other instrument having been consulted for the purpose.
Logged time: 10h39m13s
